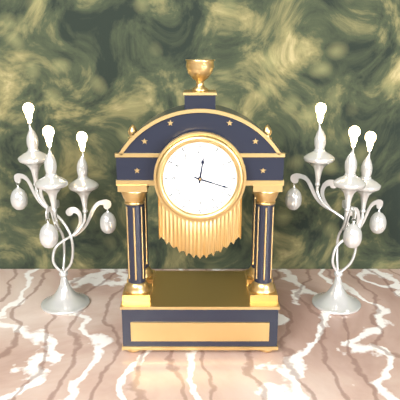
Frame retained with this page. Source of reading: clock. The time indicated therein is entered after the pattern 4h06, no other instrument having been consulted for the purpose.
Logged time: 12h18
